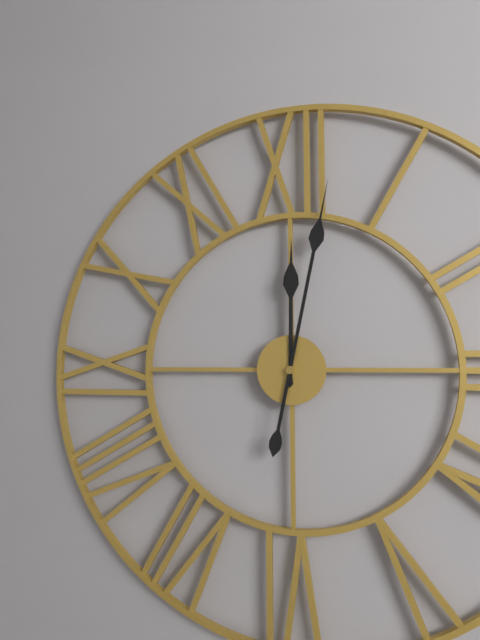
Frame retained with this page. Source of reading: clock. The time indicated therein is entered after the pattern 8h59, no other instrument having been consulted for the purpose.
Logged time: 12h02
